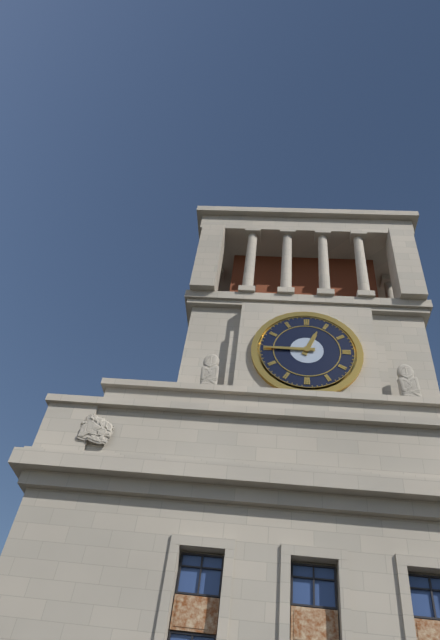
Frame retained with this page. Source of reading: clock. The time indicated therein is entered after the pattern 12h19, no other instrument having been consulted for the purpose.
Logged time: 12h45
